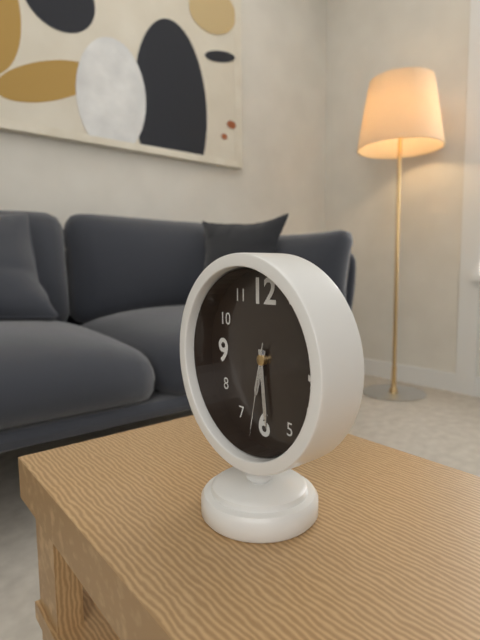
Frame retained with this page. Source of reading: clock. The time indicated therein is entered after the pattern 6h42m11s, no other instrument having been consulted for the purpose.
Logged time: 6h29m32s
